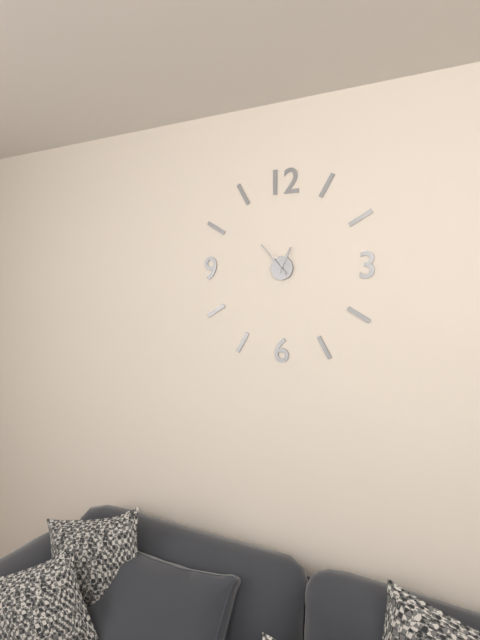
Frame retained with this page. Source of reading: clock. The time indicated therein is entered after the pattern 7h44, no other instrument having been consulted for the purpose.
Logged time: 12h53
